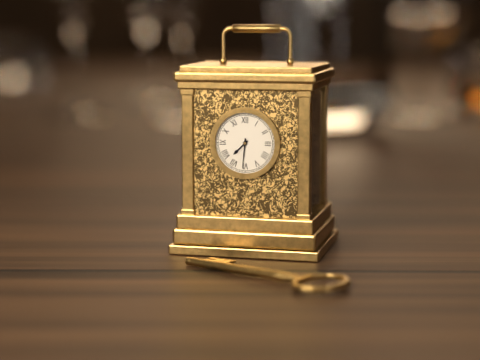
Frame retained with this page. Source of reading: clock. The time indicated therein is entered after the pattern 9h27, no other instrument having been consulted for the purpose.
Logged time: 7h31
